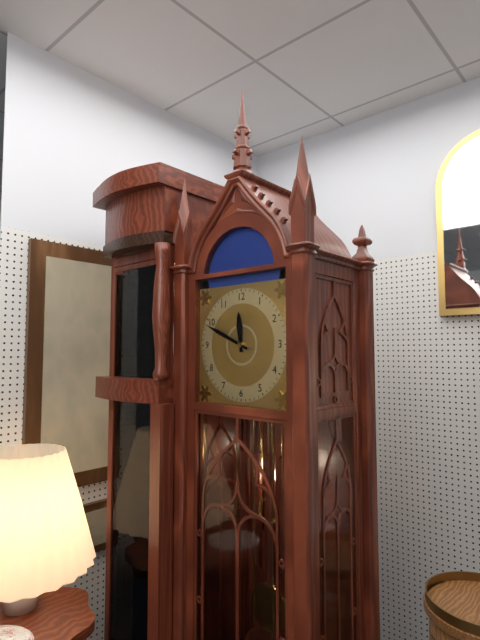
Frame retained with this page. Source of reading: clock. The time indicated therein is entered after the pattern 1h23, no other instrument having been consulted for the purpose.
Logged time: 11h49
